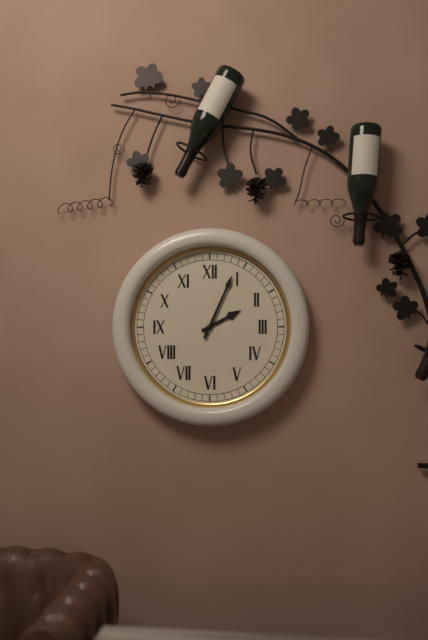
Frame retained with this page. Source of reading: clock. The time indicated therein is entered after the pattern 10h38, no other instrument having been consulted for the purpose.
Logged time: 2h04
